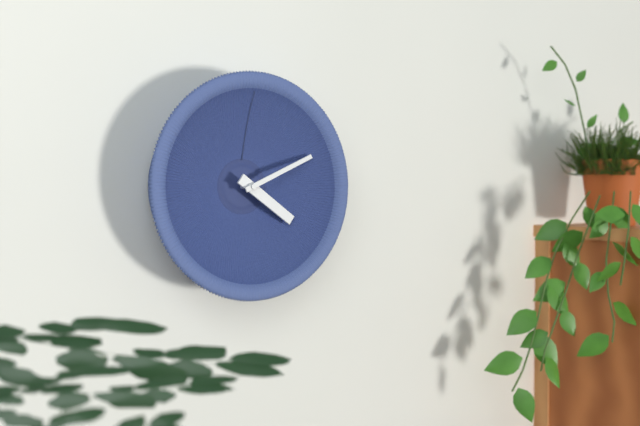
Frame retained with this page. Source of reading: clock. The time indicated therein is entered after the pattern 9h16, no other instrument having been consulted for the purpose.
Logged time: 4h11
